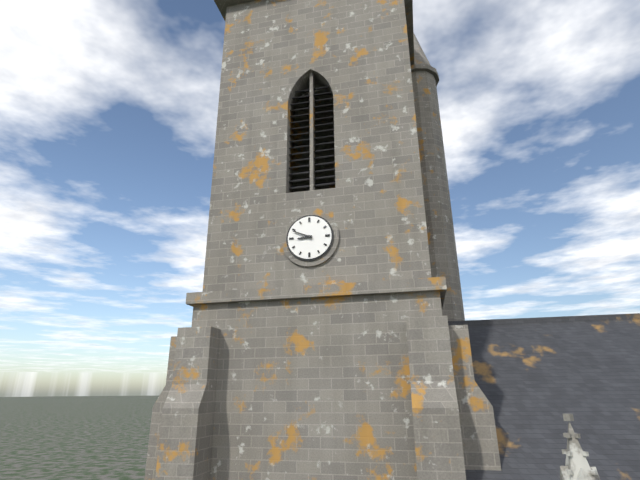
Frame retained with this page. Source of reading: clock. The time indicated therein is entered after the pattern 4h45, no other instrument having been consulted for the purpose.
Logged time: 8h49
